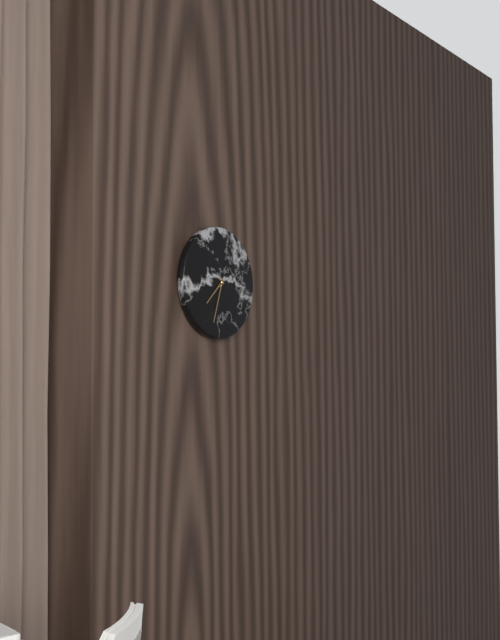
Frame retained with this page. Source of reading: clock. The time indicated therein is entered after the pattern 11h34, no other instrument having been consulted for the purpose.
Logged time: 7h33
